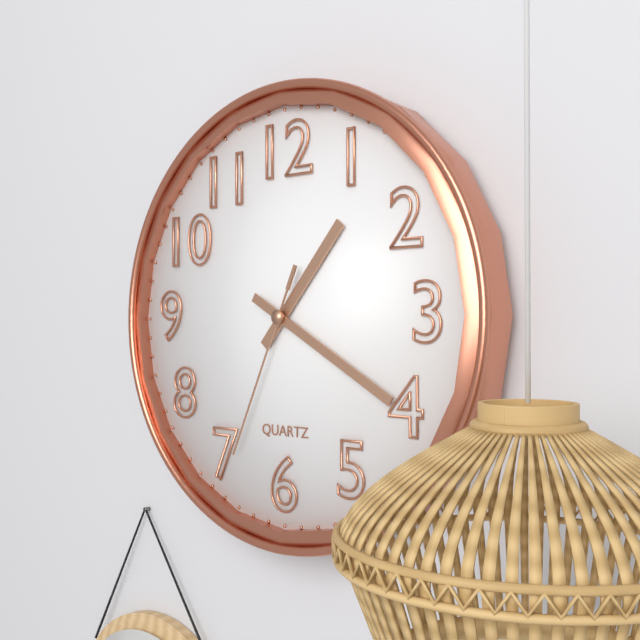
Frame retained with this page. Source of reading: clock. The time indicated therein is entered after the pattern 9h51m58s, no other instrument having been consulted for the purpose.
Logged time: 1h20m34s
